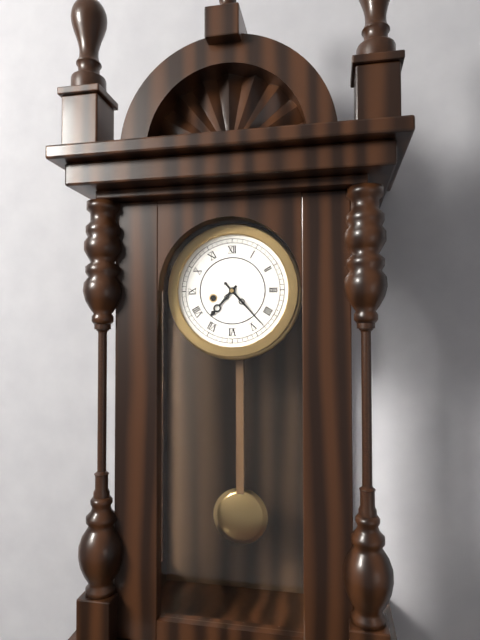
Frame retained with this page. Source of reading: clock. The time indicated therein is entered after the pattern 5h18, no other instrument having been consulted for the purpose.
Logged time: 7h23
